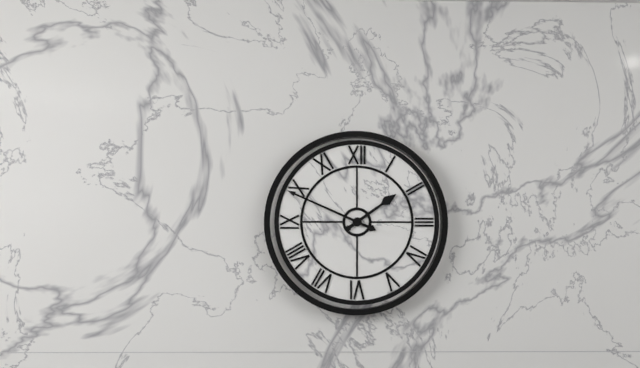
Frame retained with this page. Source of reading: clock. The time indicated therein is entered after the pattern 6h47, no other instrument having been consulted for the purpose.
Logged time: 1h49
